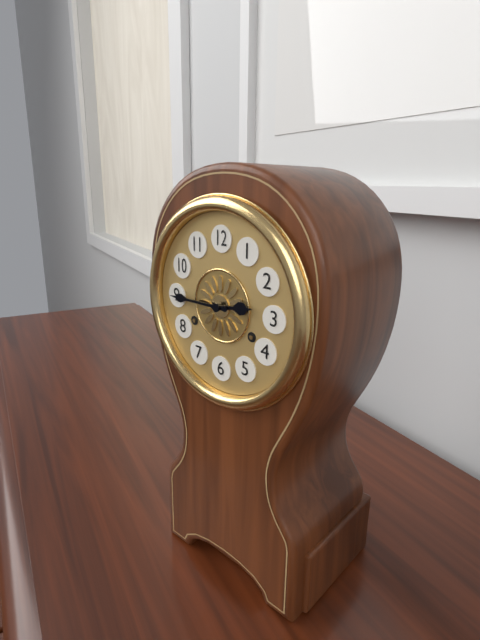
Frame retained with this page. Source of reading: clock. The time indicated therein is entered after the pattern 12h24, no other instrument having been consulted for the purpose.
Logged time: 2h45
